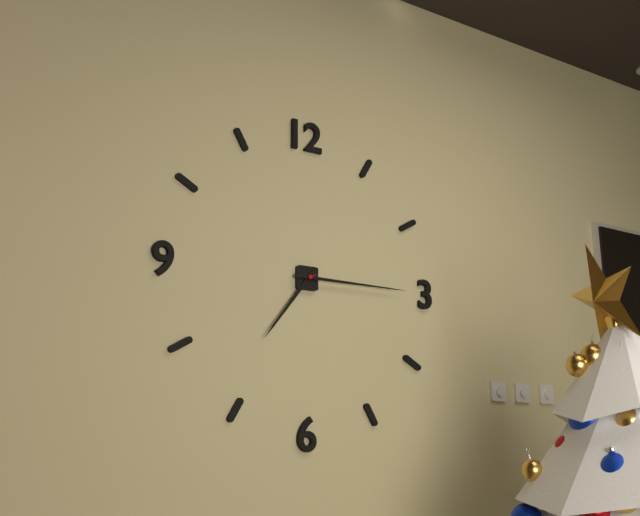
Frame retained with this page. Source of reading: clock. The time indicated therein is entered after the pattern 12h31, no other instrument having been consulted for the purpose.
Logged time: 7h15
